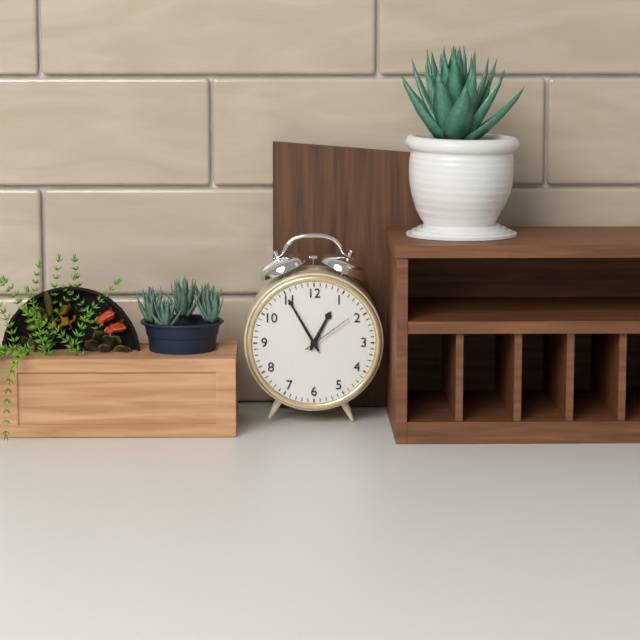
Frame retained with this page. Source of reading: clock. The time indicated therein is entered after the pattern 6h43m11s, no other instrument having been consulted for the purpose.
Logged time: 12h55m09s
